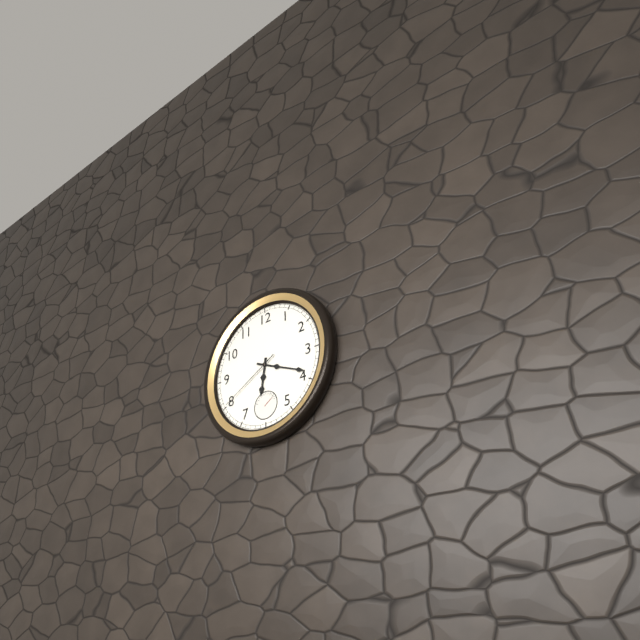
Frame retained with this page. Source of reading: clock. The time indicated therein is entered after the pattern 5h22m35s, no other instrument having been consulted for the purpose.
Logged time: 6h19m40s
